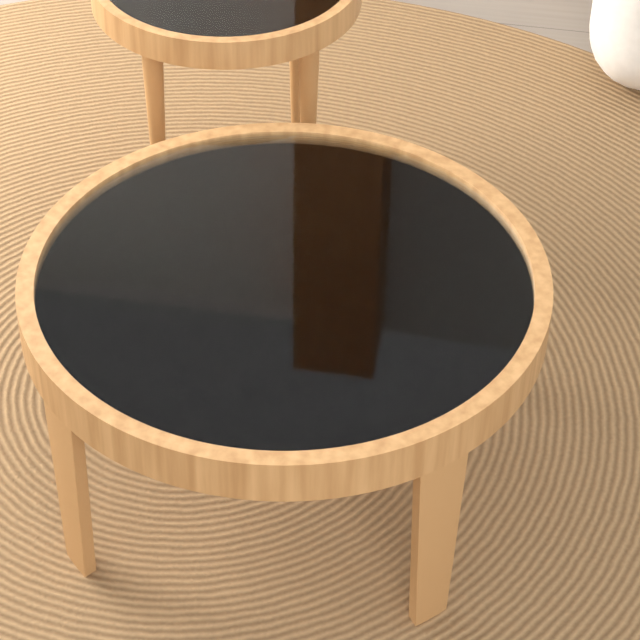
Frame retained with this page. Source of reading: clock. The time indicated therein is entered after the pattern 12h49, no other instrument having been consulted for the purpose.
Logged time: 6h03
